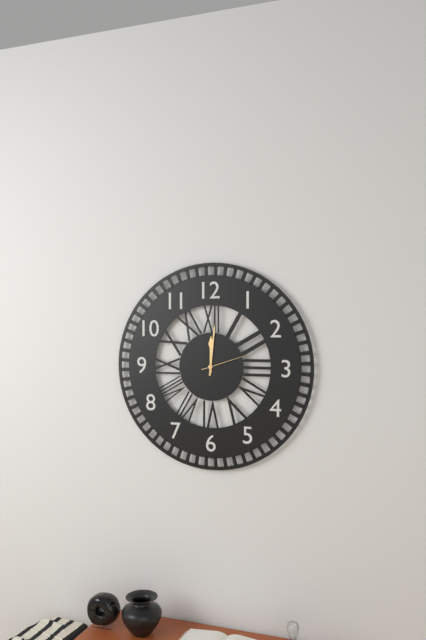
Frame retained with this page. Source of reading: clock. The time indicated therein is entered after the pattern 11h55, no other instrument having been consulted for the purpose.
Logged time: 12h01
